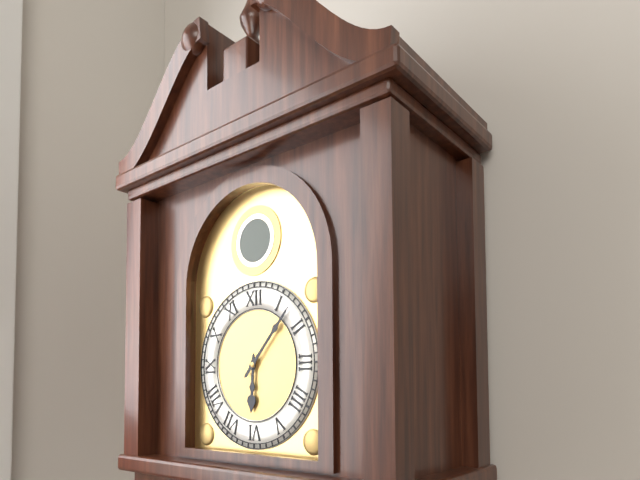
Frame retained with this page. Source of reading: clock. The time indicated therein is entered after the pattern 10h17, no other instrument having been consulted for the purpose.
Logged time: 6h07
